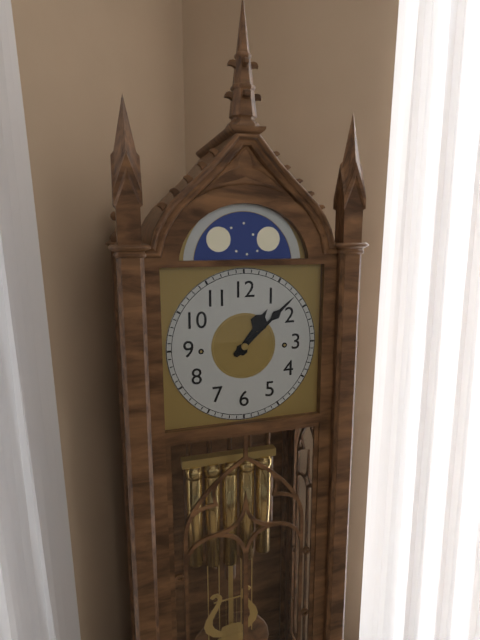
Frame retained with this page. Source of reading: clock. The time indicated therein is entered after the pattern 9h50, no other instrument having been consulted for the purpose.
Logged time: 1h08
